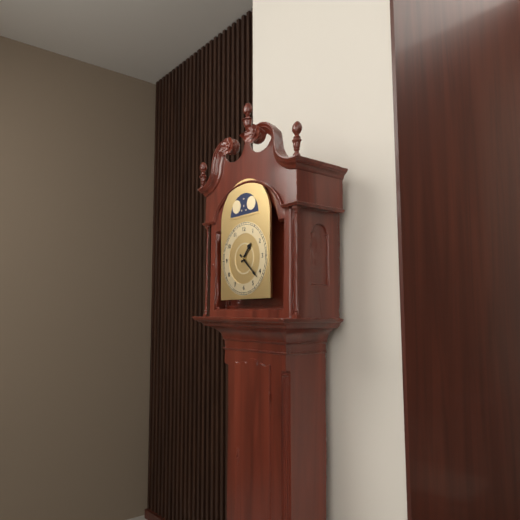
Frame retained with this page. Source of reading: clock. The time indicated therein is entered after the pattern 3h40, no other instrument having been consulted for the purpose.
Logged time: 1h22
